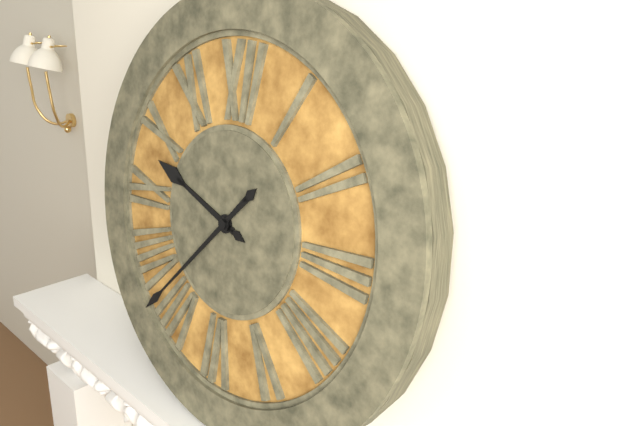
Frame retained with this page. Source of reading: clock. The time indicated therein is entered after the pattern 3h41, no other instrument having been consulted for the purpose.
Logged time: 9h37
